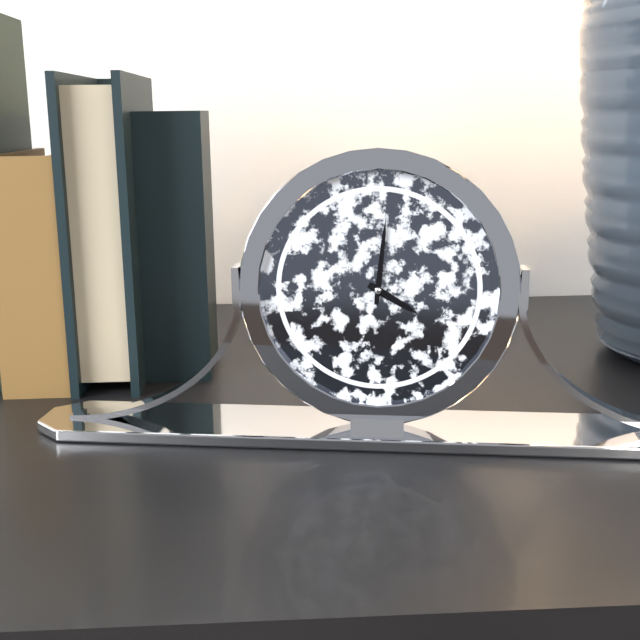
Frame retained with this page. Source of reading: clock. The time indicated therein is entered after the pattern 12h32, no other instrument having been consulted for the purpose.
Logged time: 4h01
